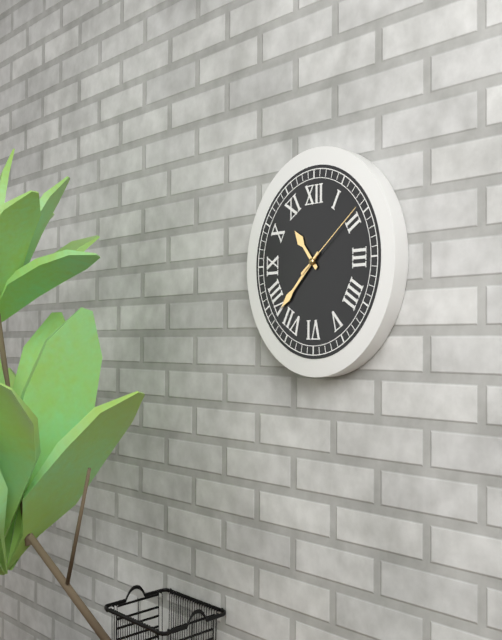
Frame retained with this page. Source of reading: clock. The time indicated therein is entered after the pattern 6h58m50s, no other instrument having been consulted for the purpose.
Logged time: 10h38m09s
